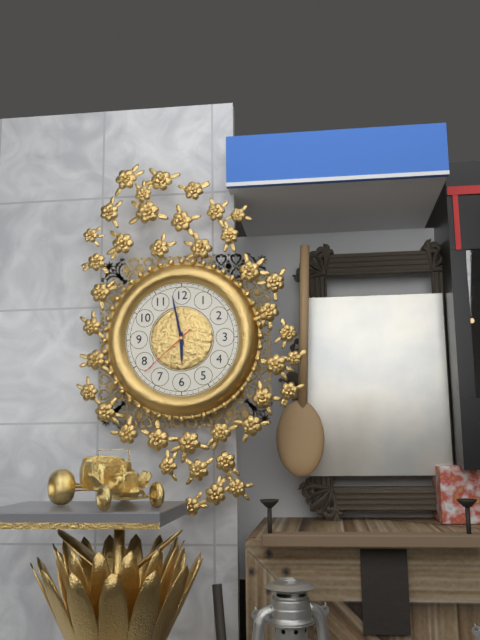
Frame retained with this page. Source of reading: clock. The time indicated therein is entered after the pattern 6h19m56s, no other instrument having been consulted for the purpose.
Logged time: 5h58m38s
